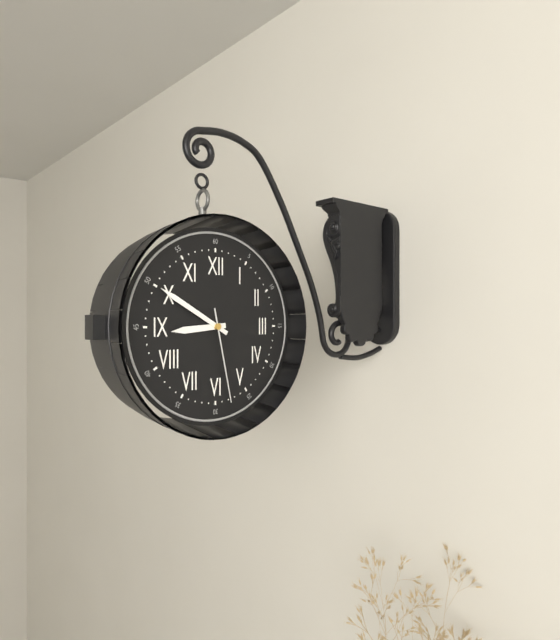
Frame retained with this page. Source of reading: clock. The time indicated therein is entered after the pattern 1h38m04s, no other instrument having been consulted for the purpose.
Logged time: 8h50m28s
